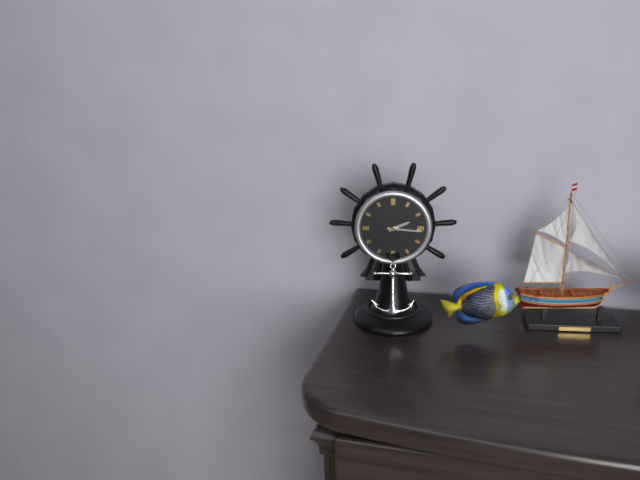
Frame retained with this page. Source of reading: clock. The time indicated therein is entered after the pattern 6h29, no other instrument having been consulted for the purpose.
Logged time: 2h16
